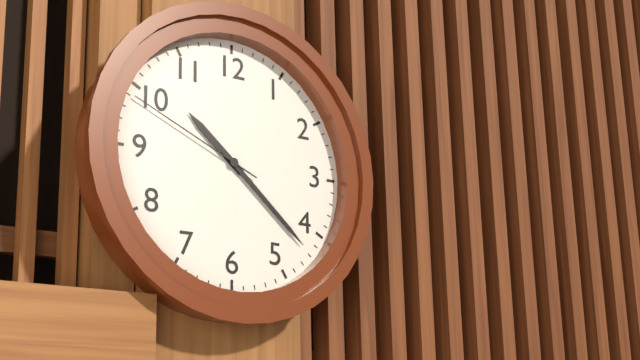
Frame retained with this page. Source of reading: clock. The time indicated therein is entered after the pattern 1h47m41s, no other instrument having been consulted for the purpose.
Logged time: 10h22m49s
